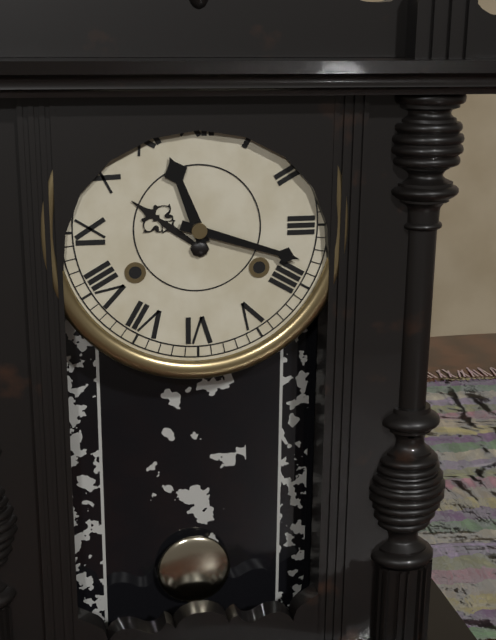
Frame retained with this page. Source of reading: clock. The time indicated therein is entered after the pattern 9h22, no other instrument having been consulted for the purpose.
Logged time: 11h18
